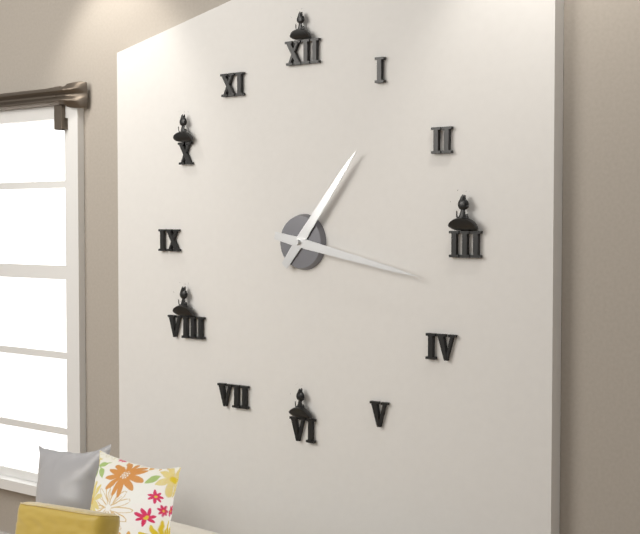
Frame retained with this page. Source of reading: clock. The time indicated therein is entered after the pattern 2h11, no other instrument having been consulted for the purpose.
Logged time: 1h17
